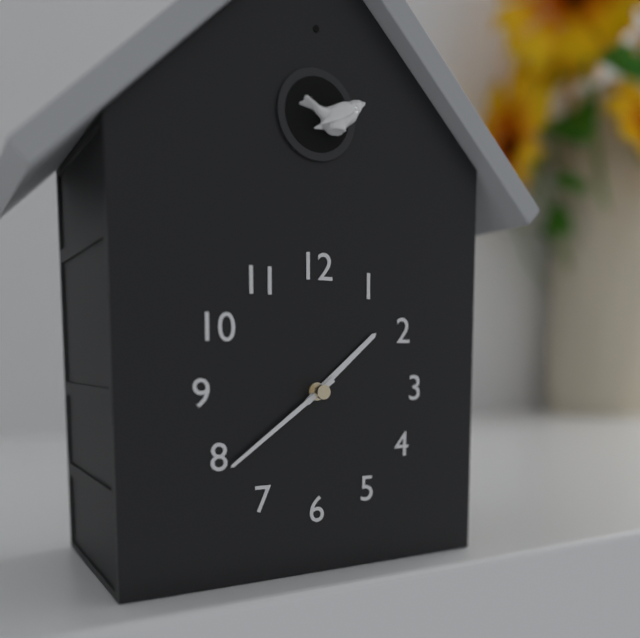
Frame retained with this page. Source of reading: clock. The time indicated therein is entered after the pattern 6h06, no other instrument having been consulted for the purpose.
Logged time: 1h39
